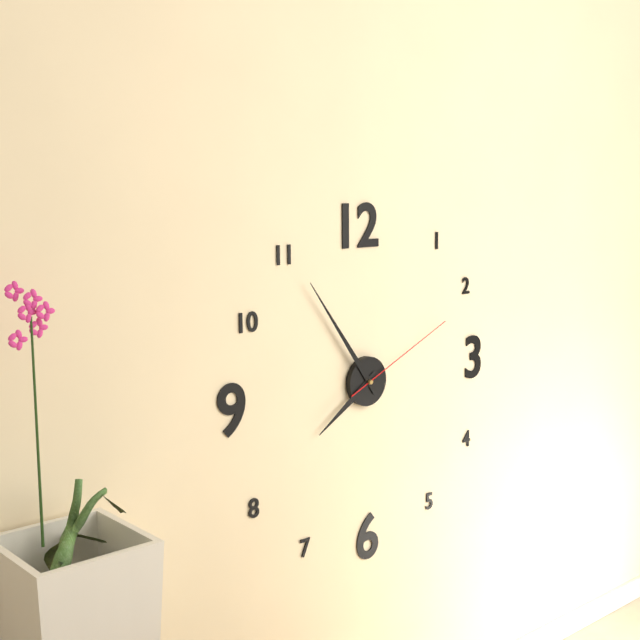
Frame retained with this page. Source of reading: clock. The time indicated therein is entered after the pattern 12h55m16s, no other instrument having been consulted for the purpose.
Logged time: 7h54m11s
